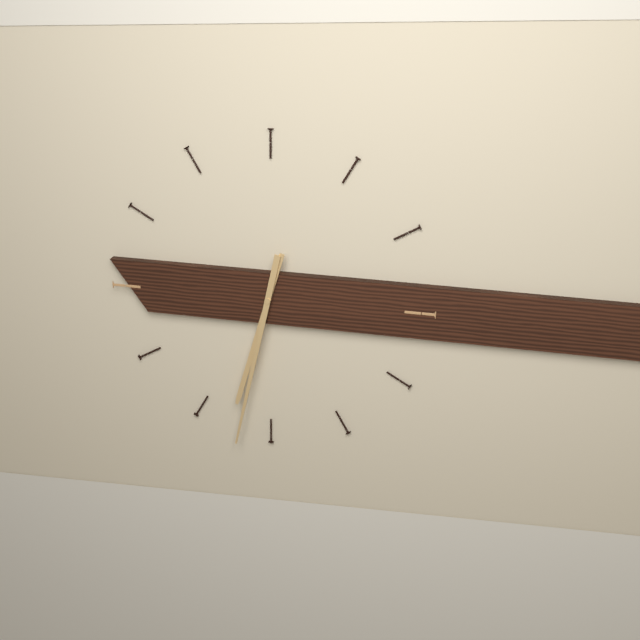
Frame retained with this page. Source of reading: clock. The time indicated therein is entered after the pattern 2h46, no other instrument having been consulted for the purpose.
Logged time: 6h32
